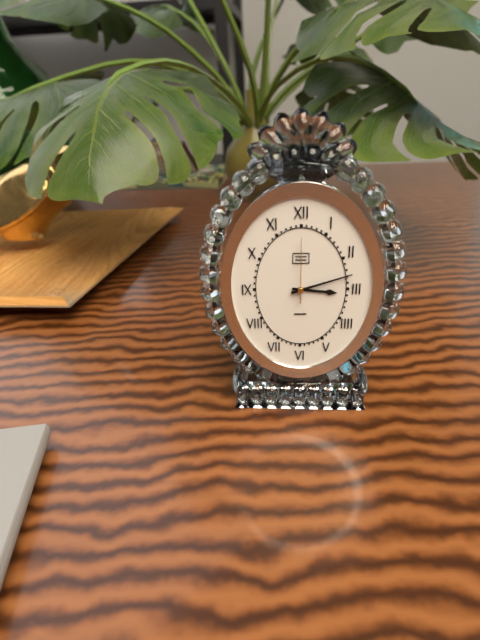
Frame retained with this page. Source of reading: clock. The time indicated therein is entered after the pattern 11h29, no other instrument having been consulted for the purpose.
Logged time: 3h12
